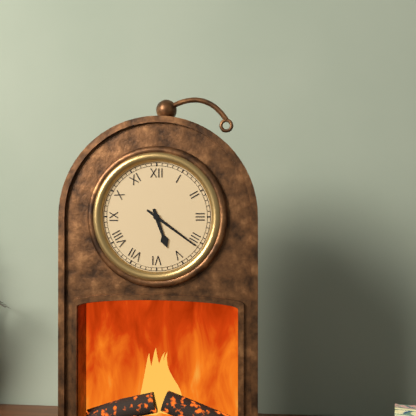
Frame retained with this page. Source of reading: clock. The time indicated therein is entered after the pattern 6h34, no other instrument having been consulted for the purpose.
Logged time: 5h21
